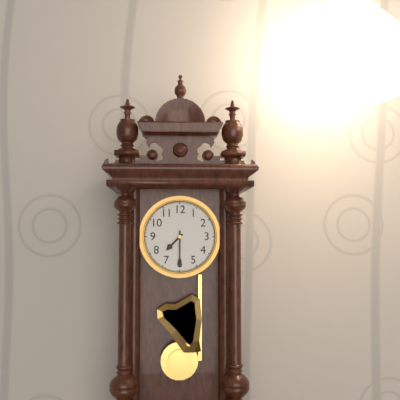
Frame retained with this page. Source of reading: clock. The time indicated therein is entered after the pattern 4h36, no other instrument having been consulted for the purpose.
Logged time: 7h30
